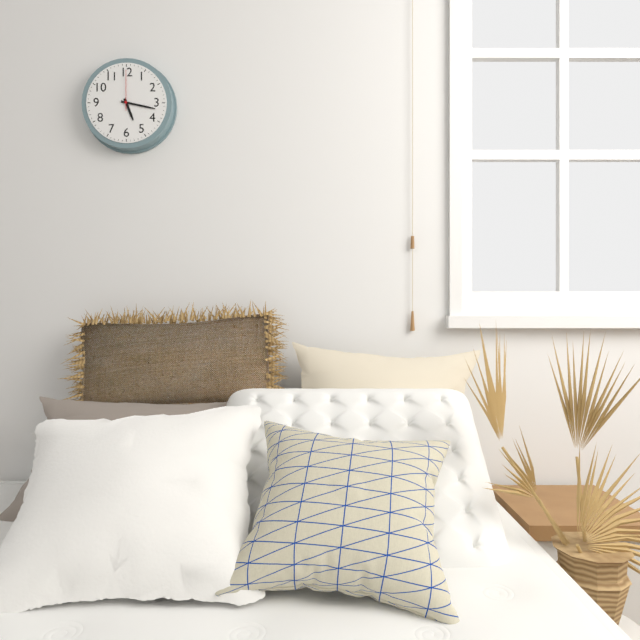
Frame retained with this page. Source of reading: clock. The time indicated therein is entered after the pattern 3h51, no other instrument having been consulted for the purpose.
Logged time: 5h17
